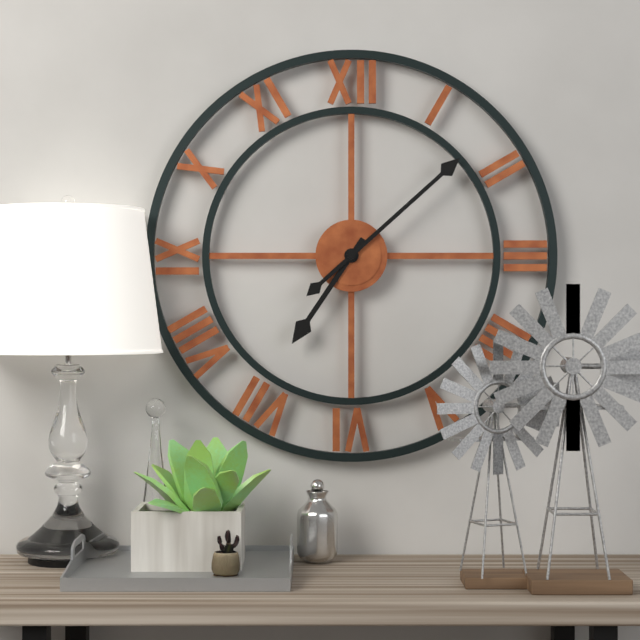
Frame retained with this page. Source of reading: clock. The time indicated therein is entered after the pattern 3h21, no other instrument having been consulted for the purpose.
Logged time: 7h08
